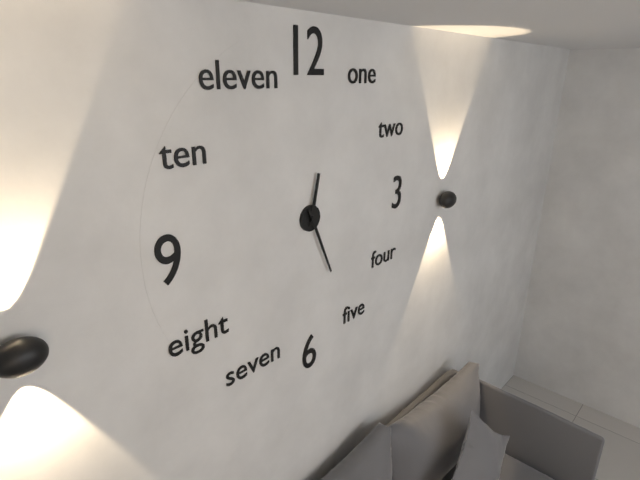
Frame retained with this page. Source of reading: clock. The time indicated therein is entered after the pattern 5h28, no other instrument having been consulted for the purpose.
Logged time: 12h26
